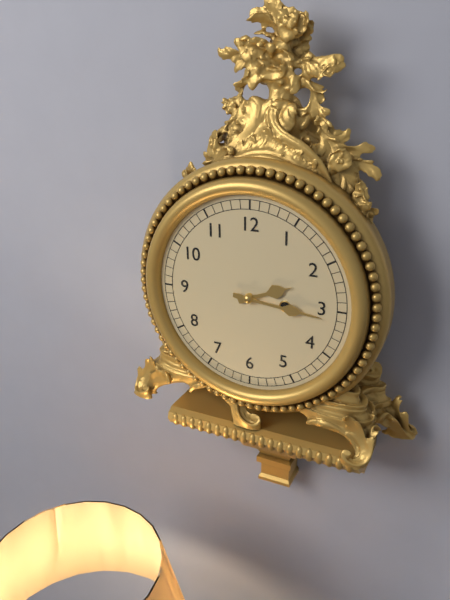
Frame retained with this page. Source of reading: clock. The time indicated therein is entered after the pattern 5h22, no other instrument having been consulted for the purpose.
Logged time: 2h16
